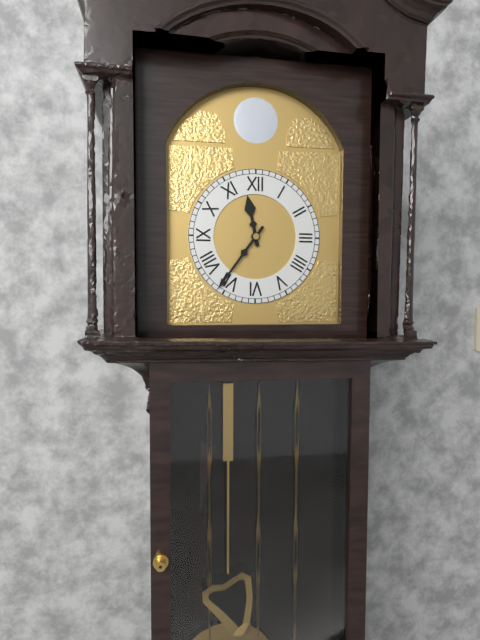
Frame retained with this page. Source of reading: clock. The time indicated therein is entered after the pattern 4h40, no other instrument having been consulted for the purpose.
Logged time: 11h36
